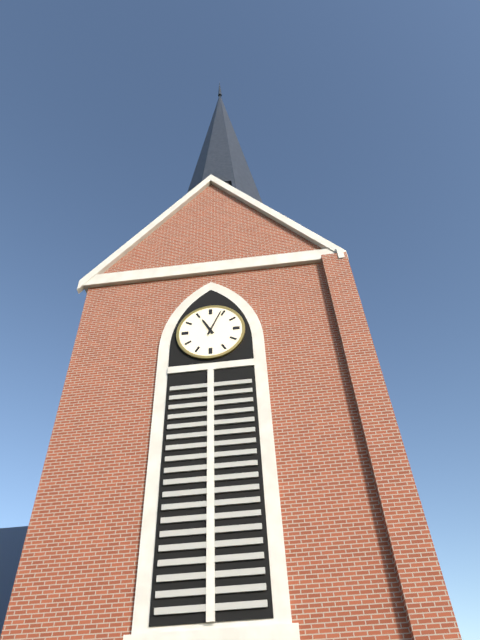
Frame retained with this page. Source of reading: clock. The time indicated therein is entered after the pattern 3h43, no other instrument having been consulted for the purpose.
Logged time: 11h04
